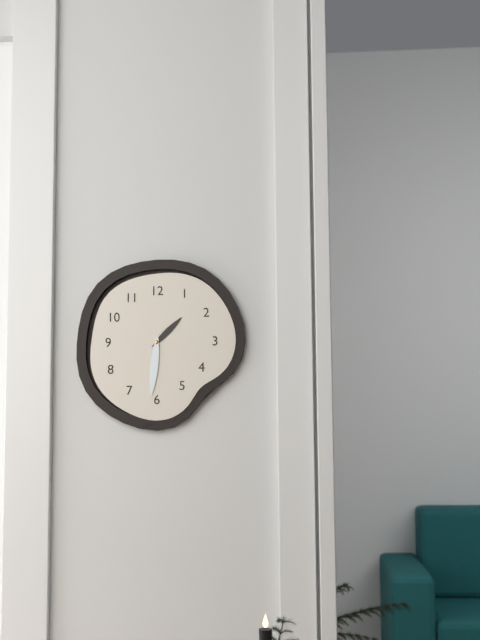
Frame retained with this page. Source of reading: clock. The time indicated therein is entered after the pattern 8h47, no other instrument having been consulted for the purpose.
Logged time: 1h31
